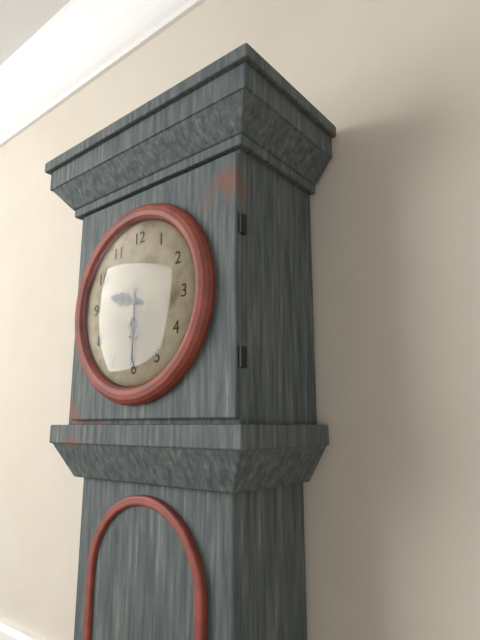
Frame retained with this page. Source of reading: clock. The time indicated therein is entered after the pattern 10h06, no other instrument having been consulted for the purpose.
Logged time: 9h30
